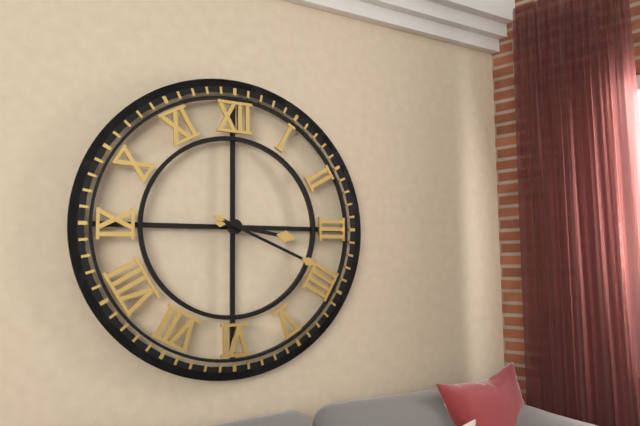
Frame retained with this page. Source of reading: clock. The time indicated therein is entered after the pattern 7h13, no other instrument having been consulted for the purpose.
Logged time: 3h19
